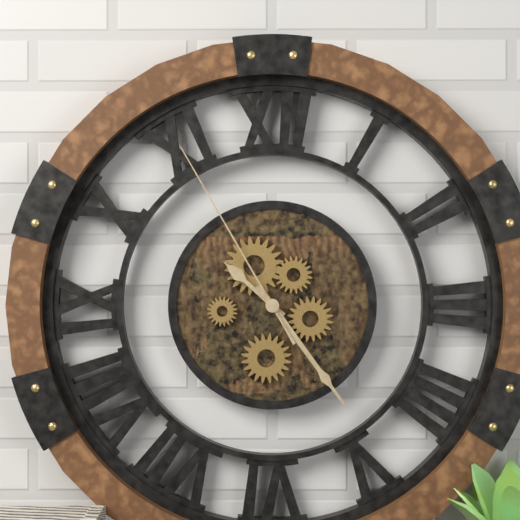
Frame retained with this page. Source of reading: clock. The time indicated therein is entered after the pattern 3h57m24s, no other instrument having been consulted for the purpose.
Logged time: 10h24m55s
